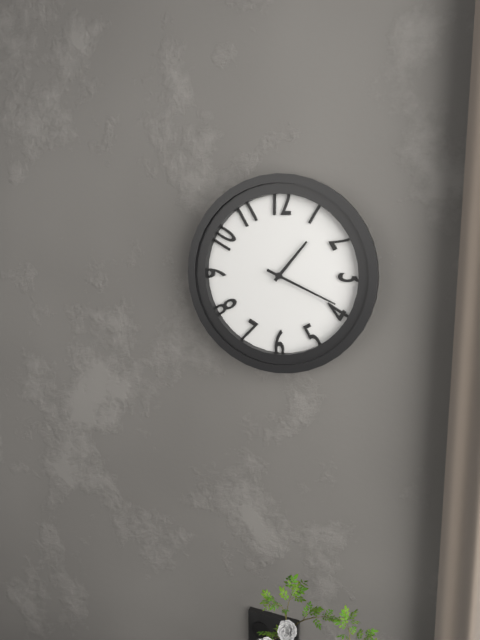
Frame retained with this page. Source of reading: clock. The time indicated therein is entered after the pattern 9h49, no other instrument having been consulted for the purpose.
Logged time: 1h19
